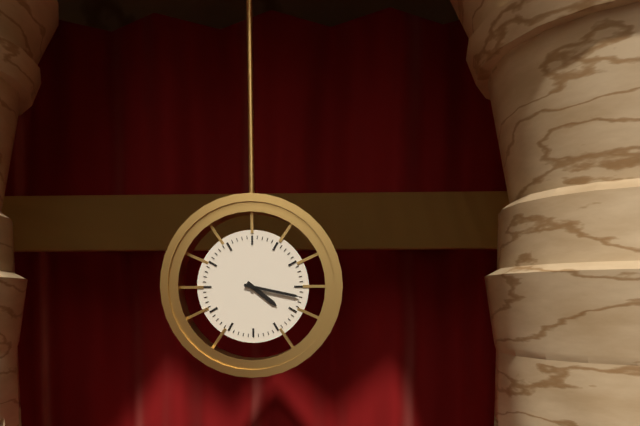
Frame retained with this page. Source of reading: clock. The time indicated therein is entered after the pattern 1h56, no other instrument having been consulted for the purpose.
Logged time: 4h17
